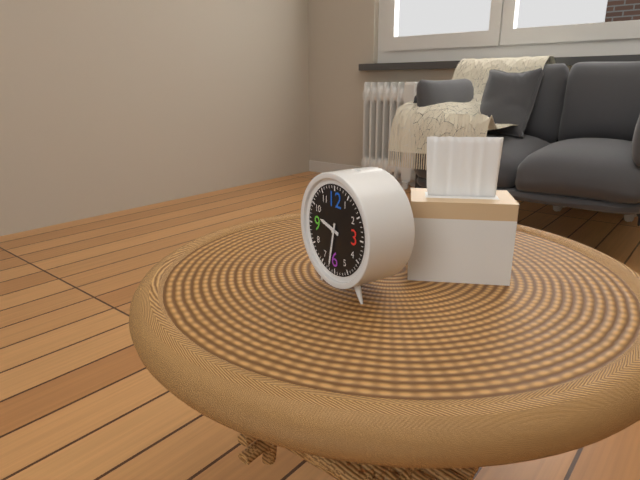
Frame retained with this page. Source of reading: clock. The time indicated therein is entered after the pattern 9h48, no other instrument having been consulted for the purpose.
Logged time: 9h32
